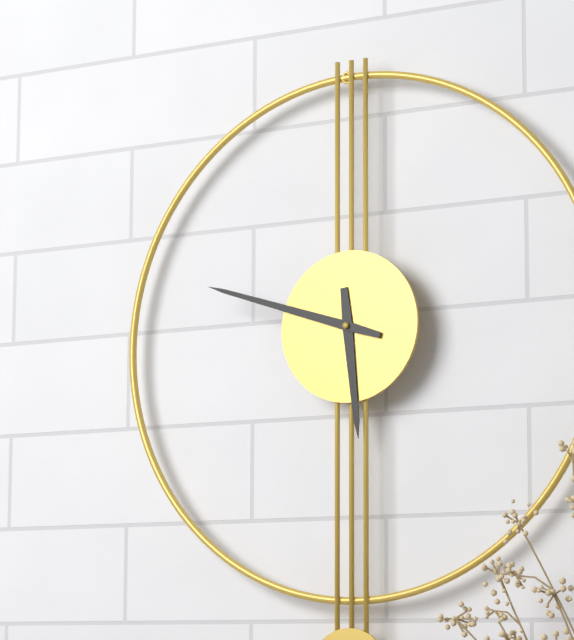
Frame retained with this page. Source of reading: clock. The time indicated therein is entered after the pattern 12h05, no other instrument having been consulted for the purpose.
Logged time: 5h48
